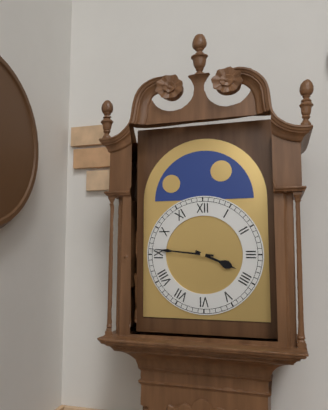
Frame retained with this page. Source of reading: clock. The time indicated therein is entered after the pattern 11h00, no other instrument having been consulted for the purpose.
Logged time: 3h46
